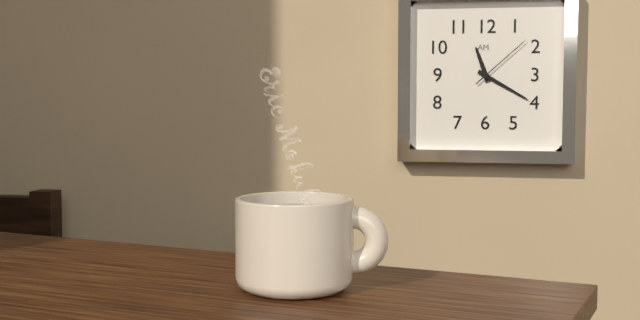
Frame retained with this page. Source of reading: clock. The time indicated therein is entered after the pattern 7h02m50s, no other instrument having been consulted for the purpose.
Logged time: 11h20m08s
